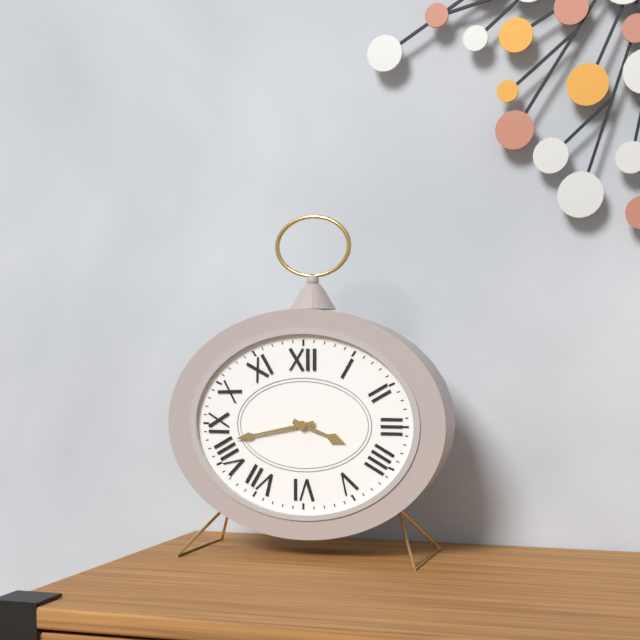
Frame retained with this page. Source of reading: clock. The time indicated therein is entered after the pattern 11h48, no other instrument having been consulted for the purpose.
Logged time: 3h43
